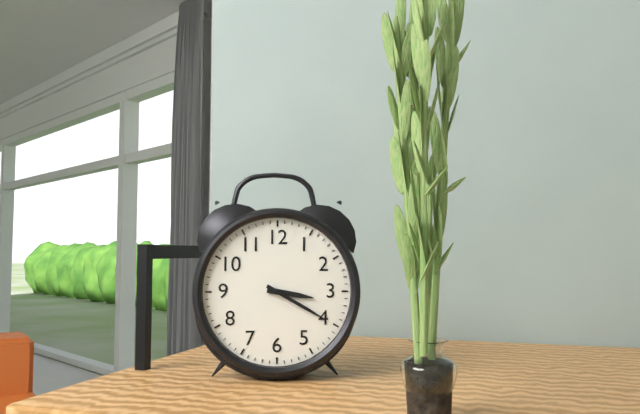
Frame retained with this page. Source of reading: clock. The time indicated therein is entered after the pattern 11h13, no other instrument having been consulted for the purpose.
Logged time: 3h20
